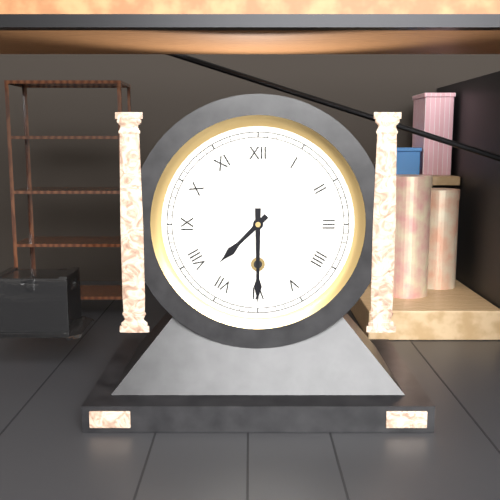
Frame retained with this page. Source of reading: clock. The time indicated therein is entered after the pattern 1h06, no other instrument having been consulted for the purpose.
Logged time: 7h30
